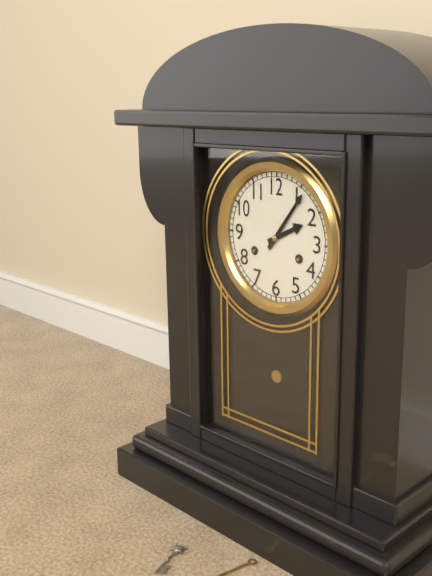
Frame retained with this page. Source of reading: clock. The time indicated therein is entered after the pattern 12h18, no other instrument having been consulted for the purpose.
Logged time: 2h06
